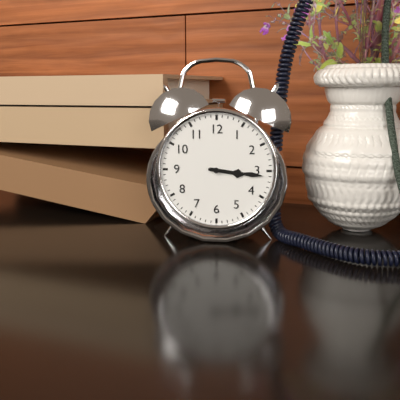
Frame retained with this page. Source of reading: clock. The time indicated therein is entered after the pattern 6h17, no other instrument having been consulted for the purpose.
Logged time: 3h16
